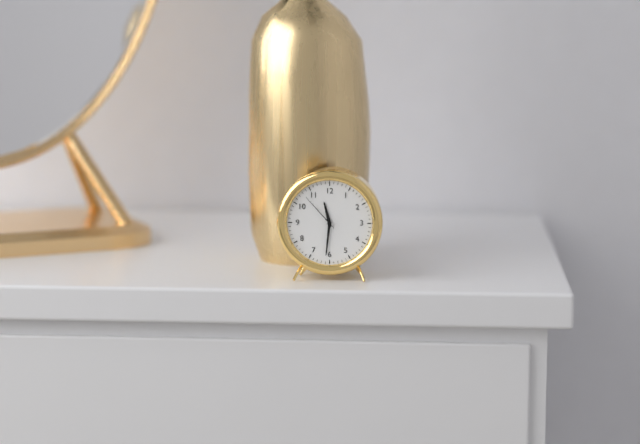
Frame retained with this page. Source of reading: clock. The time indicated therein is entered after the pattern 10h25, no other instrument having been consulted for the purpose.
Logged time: 11h31
